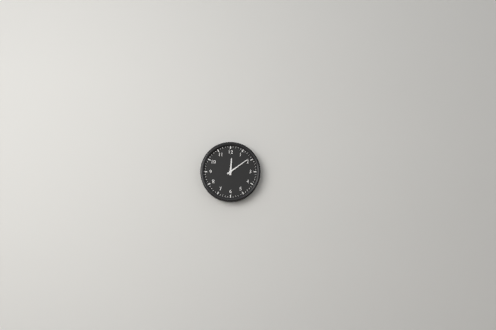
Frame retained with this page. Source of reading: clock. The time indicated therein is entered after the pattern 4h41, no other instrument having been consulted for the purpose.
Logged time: 12h09
